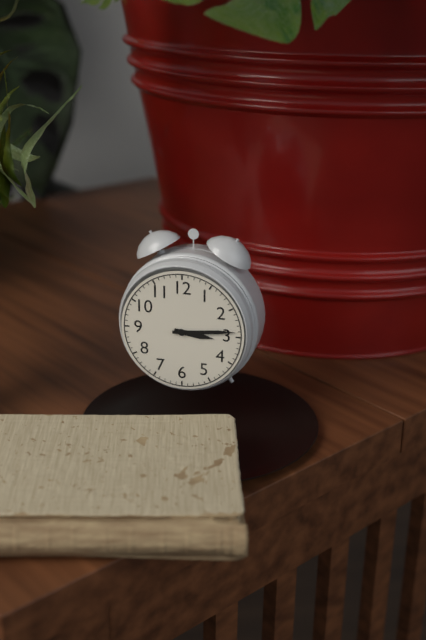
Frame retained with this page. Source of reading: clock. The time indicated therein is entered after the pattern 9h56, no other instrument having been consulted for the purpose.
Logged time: 3h14
